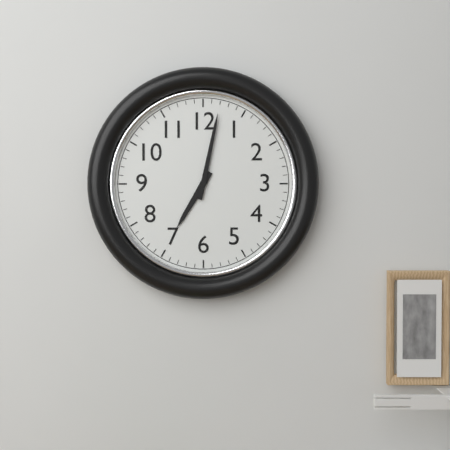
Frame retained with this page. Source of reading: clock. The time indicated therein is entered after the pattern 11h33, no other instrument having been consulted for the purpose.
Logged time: 7h02
